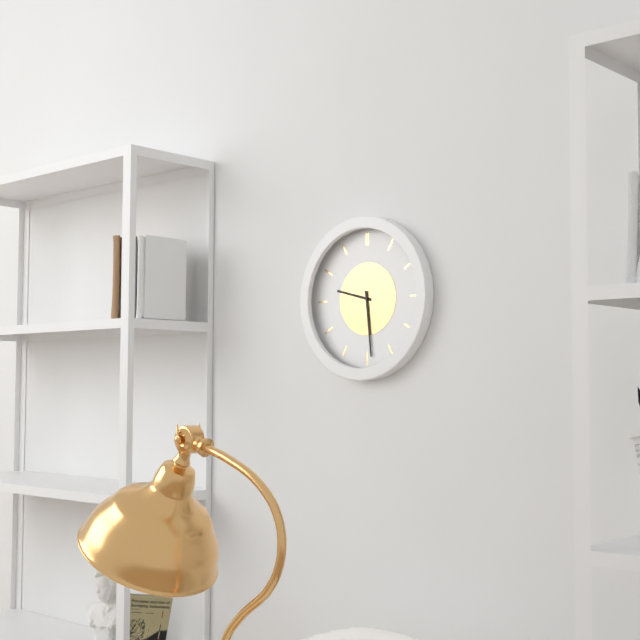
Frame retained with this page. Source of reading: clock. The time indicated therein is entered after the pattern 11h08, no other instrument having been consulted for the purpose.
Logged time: 9h29
